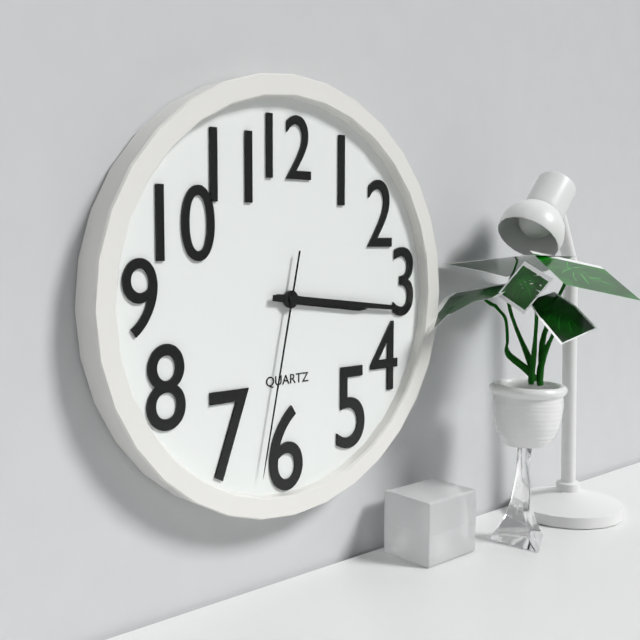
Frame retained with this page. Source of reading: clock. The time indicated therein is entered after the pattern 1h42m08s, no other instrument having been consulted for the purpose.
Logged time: 3h16m32s
